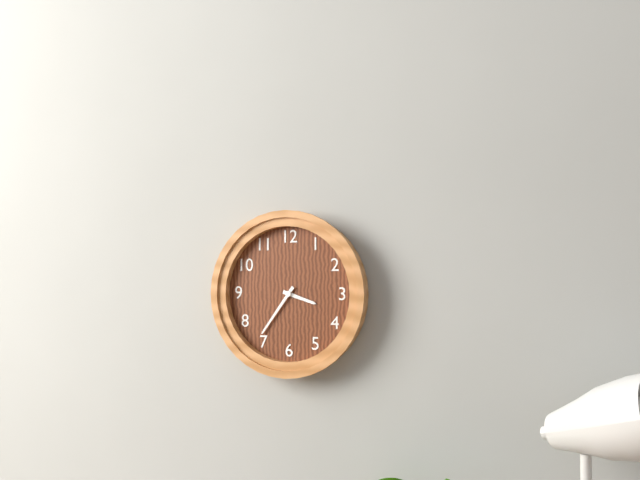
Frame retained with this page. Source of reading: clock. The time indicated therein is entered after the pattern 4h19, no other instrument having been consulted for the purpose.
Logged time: 3h36
